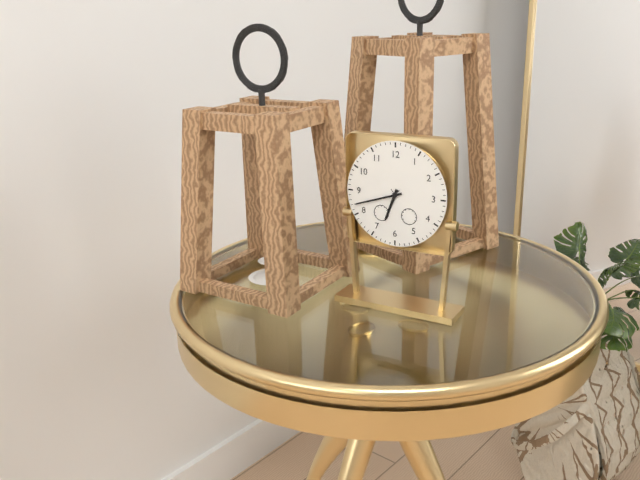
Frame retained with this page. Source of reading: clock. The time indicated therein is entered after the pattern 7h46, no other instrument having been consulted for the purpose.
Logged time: 6h42
